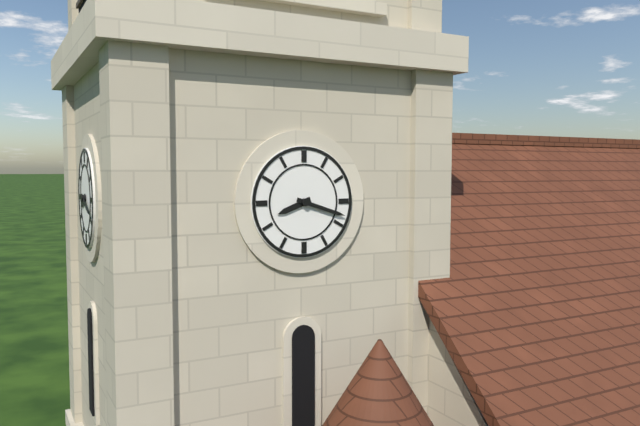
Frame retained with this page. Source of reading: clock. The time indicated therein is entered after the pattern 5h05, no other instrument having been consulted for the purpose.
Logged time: 8h18
